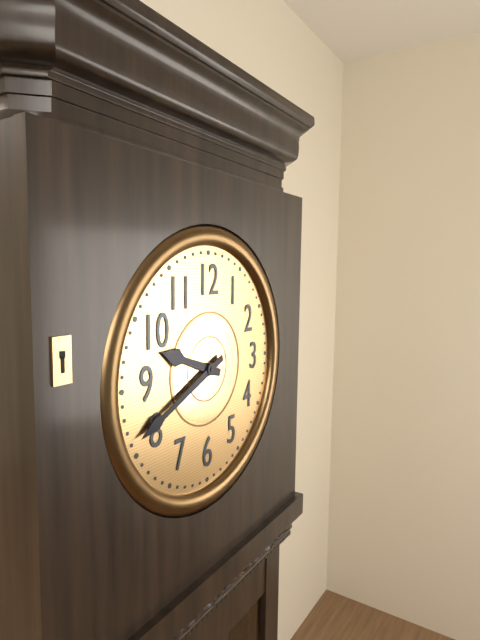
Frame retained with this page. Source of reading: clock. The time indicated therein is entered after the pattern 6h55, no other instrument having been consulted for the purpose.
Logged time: 9h41
